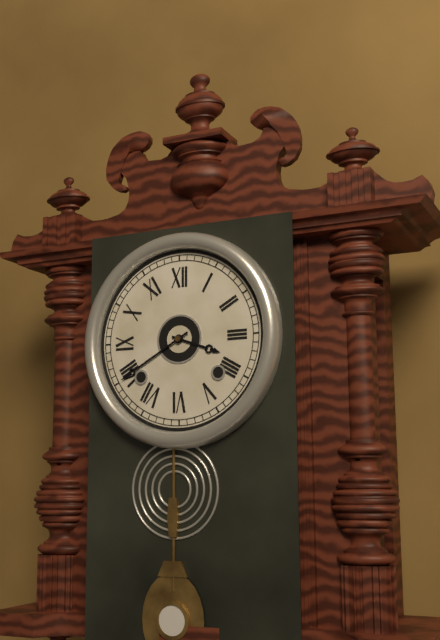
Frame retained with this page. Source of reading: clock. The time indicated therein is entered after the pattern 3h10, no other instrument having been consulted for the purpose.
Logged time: 3h40
